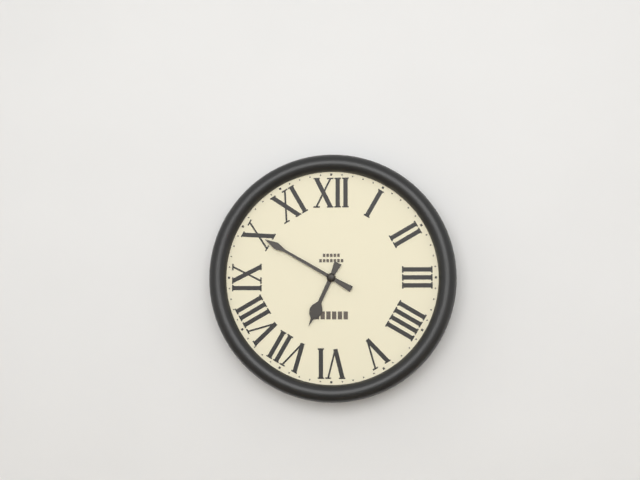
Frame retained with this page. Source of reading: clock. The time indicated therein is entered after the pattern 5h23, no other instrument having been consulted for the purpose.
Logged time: 6h50
